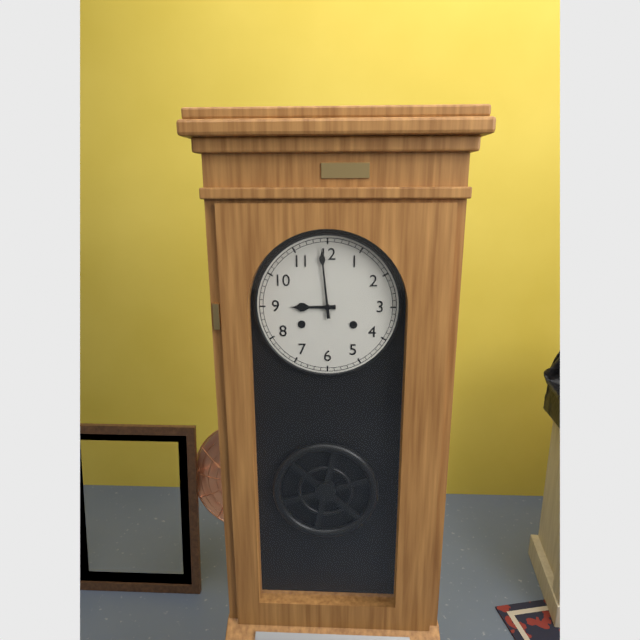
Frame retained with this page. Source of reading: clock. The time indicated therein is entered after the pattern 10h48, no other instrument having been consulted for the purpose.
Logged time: 8h59
